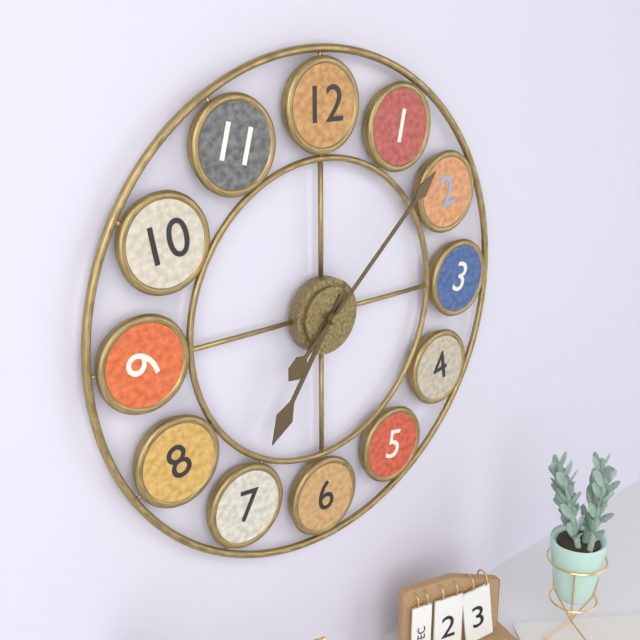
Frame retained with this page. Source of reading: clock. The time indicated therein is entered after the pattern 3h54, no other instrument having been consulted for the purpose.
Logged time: 7h08
